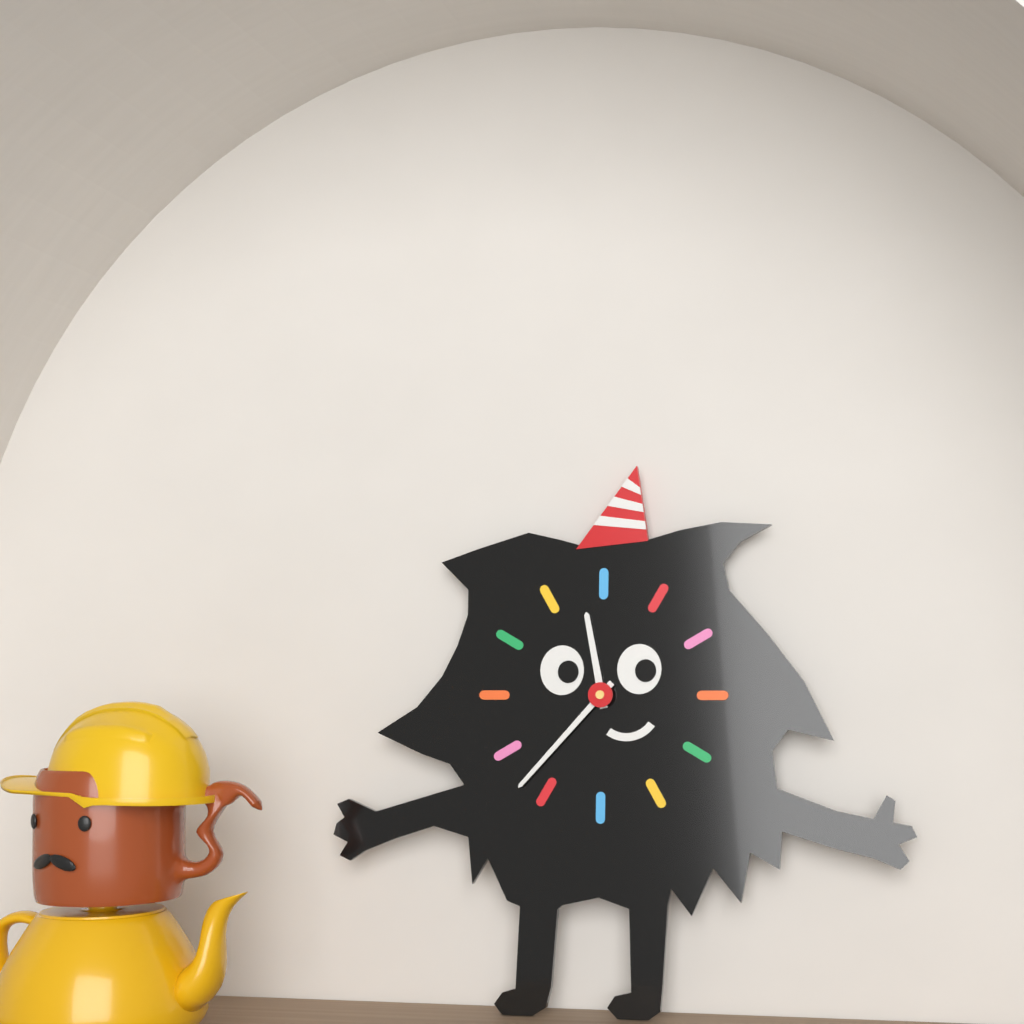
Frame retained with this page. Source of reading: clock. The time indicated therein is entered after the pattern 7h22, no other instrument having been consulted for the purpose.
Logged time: 11h37
